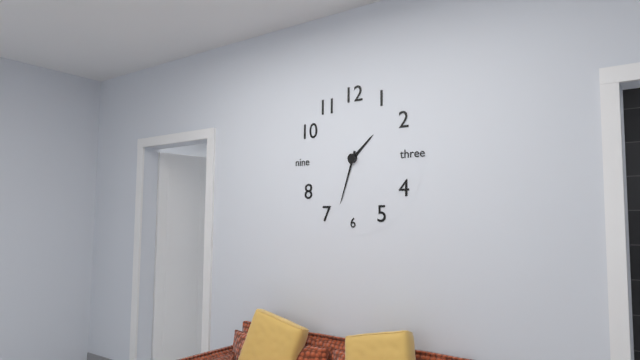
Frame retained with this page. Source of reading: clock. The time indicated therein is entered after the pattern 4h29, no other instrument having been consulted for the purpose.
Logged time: 1h33
